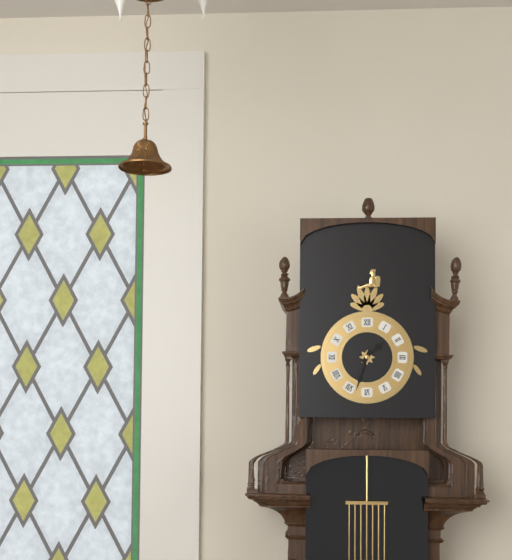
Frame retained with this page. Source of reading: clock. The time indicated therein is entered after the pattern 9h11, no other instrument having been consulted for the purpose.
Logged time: 1h33
